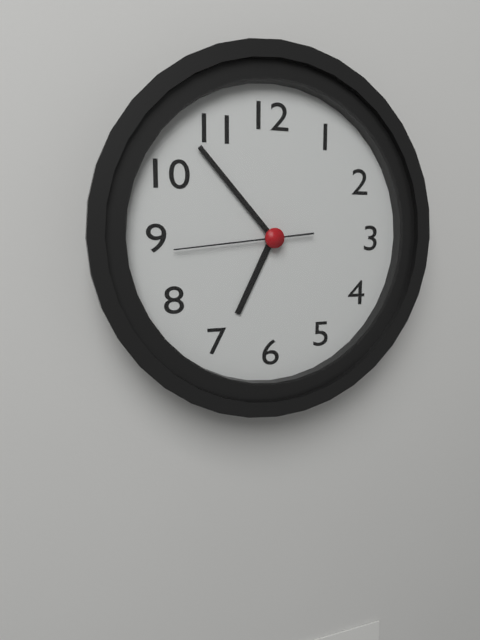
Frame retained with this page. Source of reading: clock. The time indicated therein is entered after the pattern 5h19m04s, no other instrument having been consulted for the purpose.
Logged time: 6h53m44s
